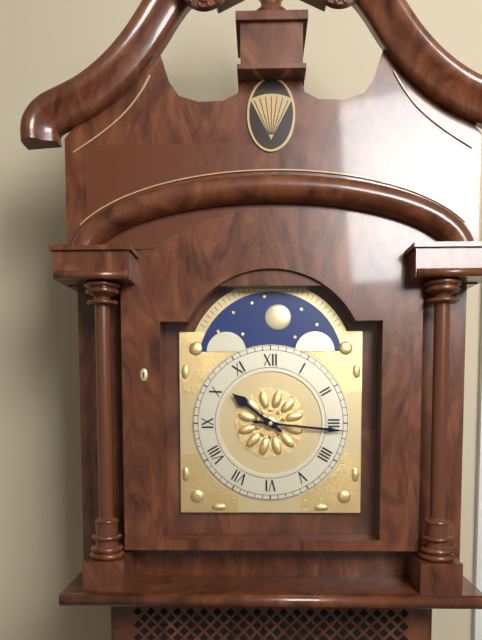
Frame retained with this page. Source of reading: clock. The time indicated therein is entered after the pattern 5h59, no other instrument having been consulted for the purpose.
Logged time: 10h16
